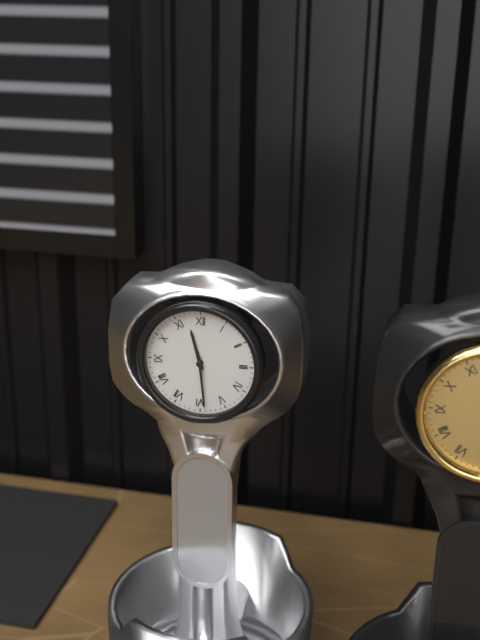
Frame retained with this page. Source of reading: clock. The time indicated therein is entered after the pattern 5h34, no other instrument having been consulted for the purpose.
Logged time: 11h29
